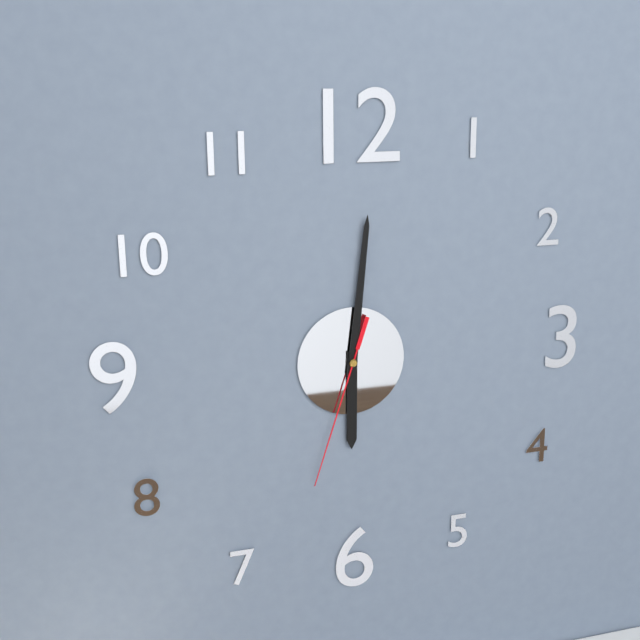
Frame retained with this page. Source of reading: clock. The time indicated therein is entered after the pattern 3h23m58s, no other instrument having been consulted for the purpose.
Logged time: 6h01m33s
